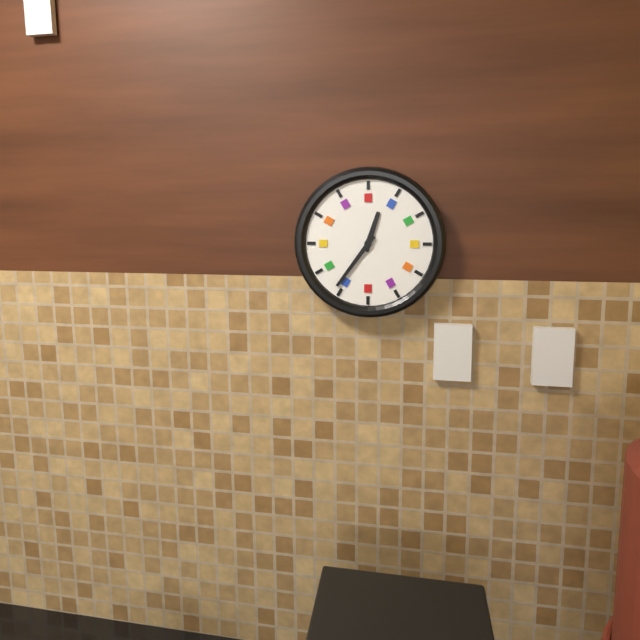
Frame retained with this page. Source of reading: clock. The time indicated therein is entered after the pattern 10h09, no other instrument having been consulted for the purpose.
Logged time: 12h36
